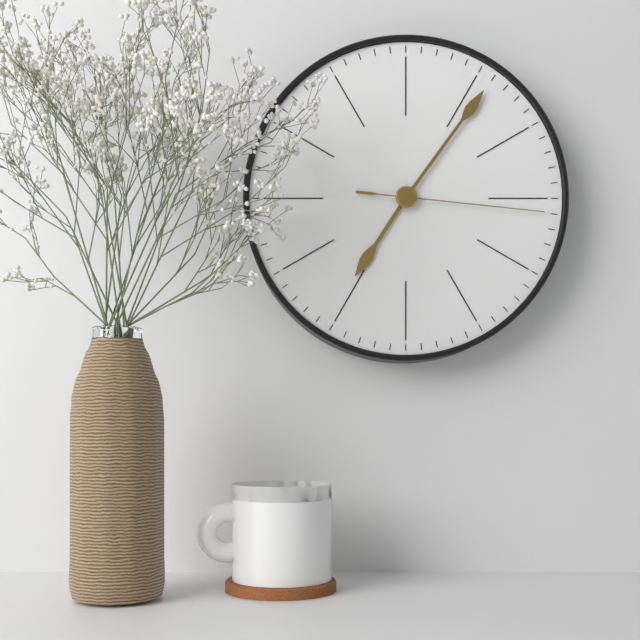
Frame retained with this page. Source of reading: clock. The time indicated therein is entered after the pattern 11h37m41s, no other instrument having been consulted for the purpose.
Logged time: 7h06m16s
